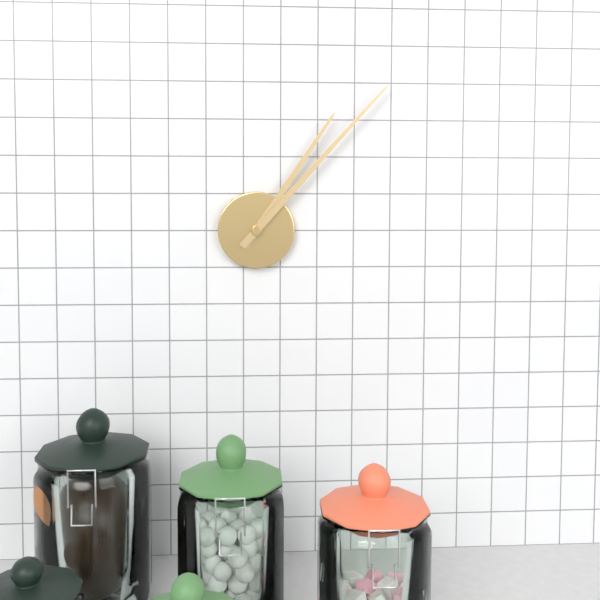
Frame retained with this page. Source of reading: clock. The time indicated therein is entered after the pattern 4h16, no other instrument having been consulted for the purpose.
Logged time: 1h07
